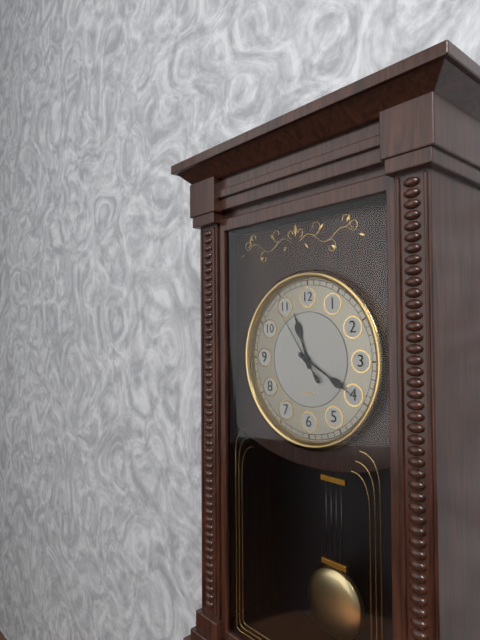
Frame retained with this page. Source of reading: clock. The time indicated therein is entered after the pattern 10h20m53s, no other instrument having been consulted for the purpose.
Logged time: 11h20m54s
